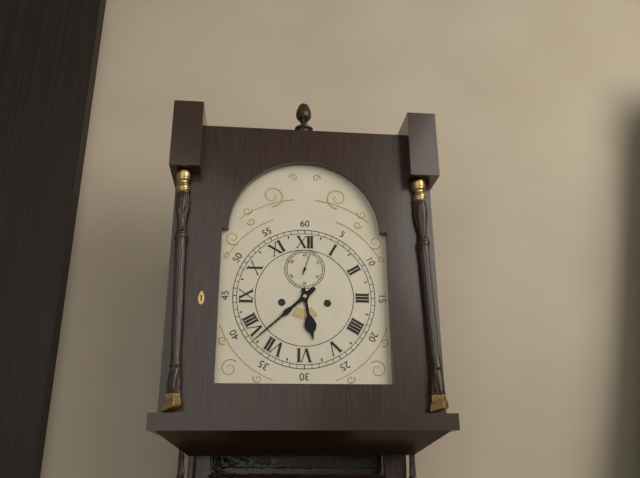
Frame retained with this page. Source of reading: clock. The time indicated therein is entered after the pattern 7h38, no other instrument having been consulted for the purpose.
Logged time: 5h38
